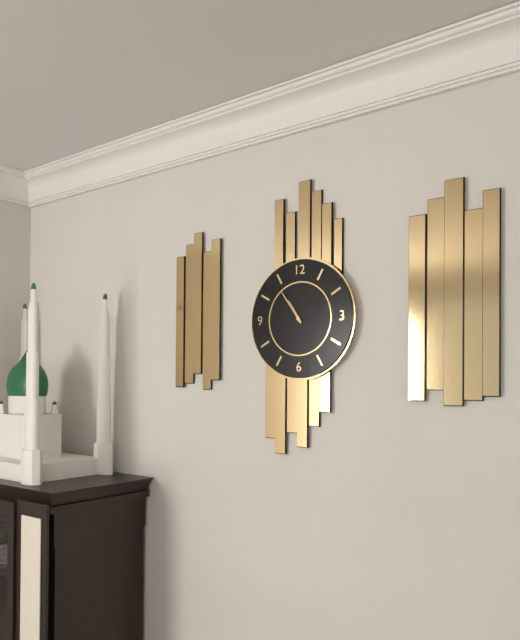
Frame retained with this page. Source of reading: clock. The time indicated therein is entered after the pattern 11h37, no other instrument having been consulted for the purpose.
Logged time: 10h54
